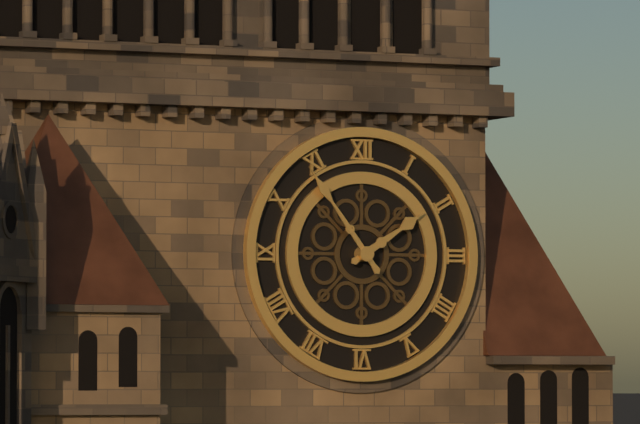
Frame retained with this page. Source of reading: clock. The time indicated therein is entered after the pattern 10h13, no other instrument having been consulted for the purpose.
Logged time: 1h54
